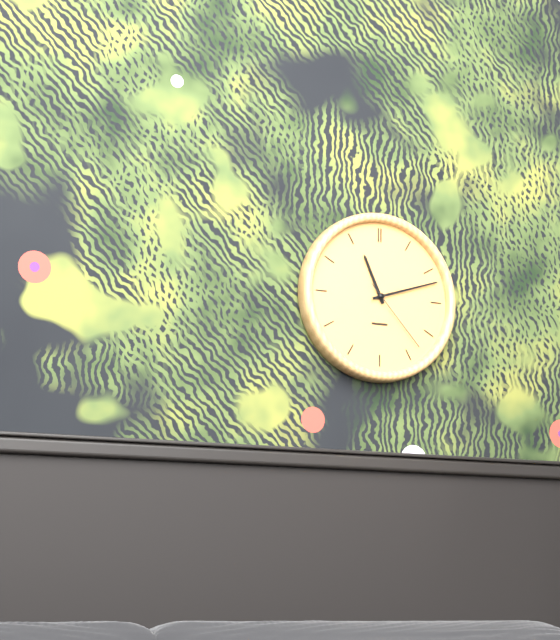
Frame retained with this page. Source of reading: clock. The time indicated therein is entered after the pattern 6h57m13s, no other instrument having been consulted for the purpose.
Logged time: 11h12m23s
